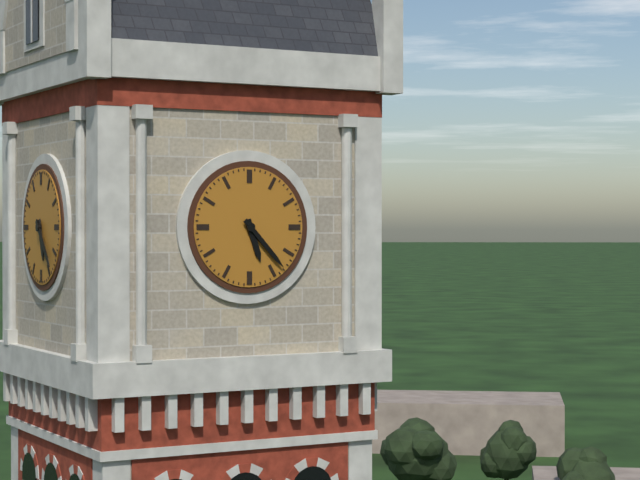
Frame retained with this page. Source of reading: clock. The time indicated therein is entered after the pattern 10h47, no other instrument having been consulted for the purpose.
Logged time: 5h23
